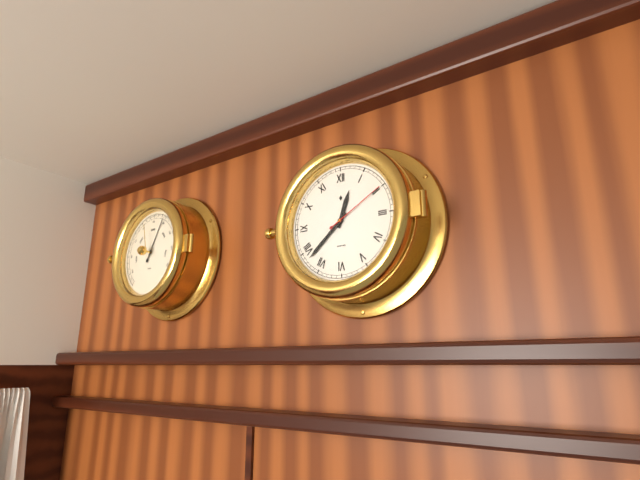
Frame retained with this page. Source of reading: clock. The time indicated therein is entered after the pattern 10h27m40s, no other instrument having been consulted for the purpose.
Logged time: 12h38m10s
